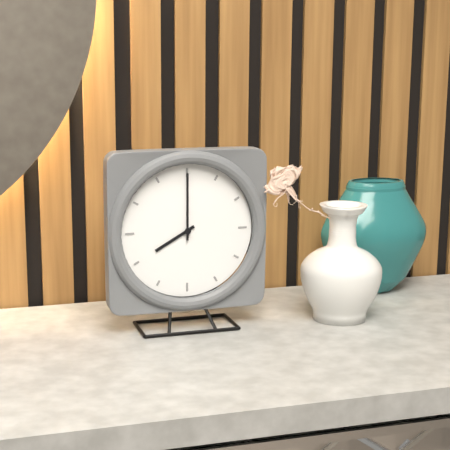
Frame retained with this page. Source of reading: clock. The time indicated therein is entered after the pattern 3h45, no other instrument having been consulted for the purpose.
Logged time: 8h00
